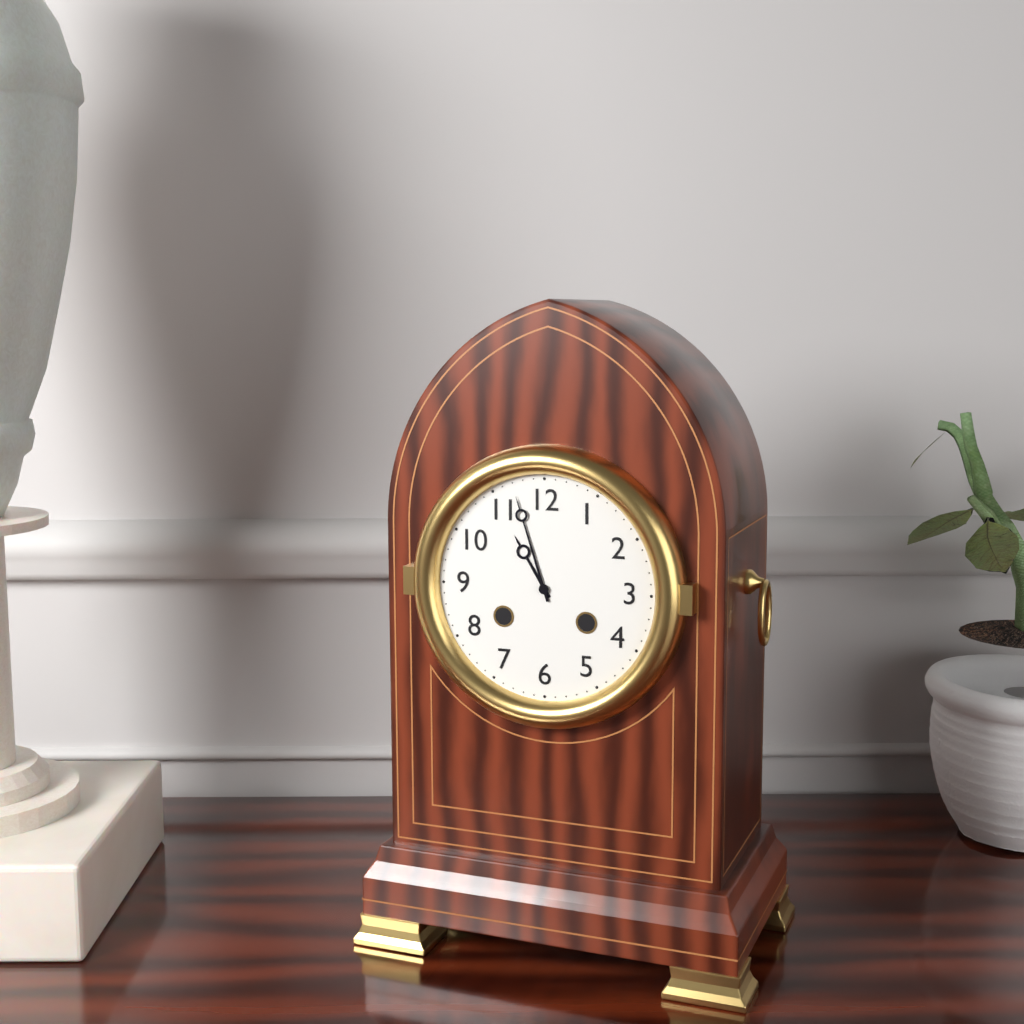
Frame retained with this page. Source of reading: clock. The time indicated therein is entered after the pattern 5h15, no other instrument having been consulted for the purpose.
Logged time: 10h57
